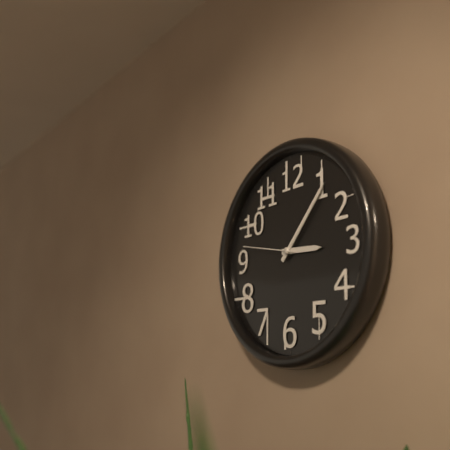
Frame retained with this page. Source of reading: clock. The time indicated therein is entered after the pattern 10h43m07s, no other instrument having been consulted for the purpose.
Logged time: 3h07m47s
